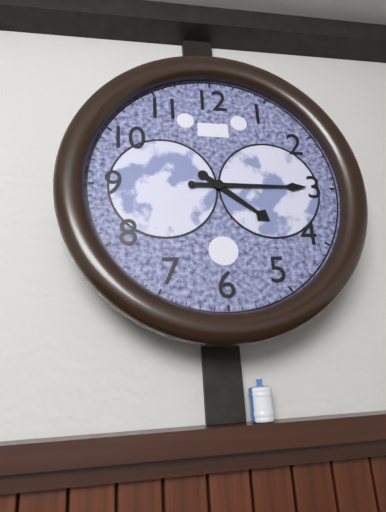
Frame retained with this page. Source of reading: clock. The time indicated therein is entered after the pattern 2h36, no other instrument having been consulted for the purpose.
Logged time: 4h15
